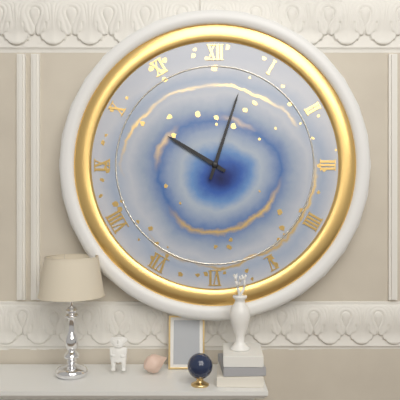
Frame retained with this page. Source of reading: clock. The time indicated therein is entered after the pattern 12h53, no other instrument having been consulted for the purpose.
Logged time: 10h03
